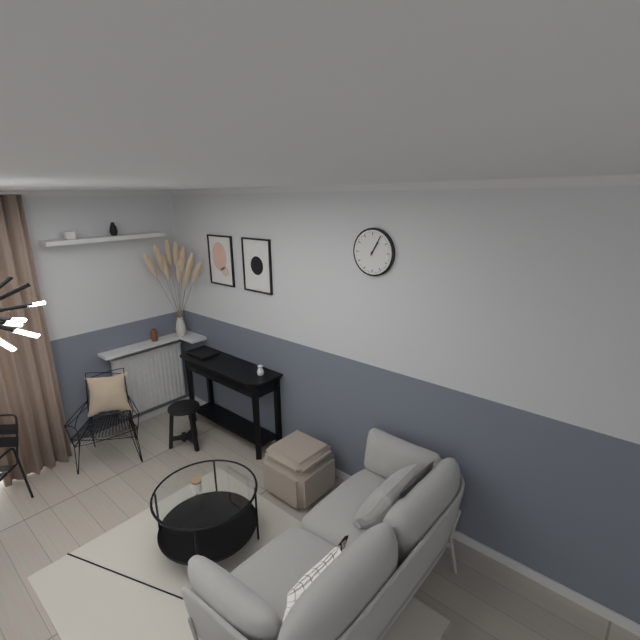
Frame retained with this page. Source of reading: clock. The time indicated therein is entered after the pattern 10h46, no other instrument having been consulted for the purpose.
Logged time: 1h05
